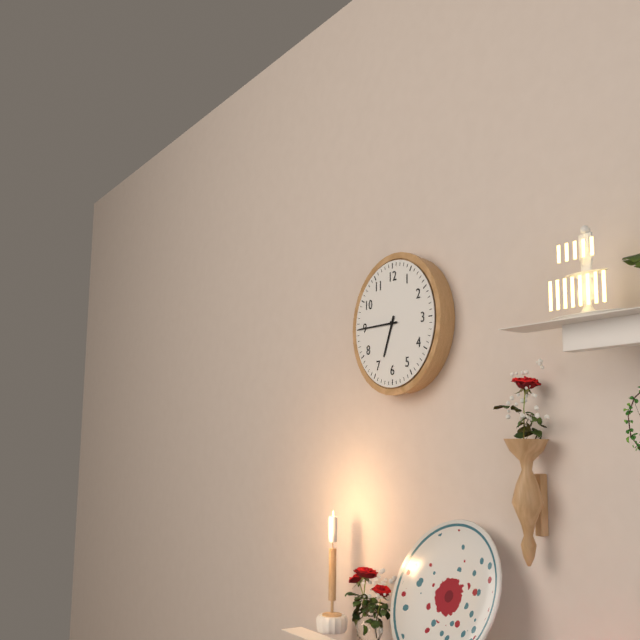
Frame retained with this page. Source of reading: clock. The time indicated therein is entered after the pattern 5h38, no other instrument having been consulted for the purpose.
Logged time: 6h45
